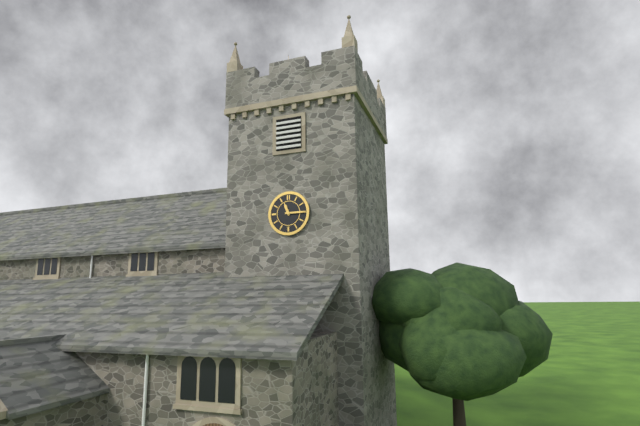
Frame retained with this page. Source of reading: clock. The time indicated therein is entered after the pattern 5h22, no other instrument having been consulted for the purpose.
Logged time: 11h15
